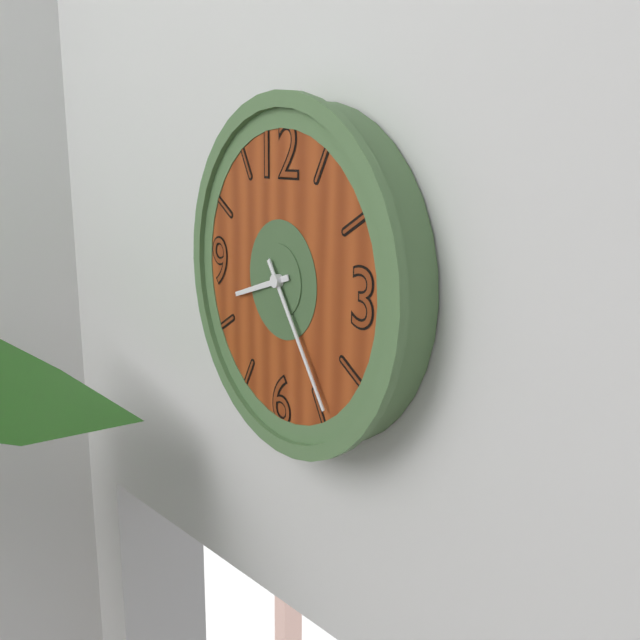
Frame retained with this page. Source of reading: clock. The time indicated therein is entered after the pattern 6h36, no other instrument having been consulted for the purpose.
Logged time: 8h24
